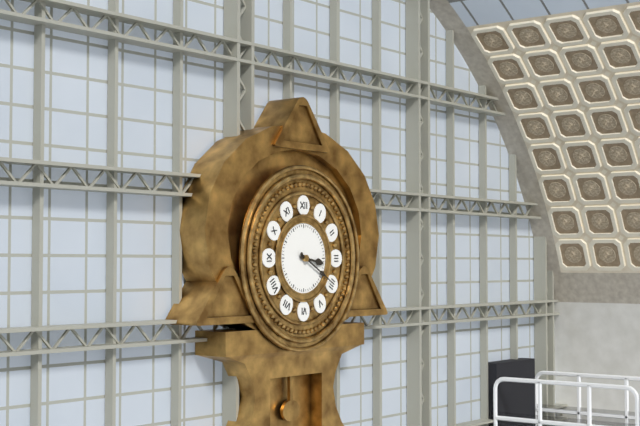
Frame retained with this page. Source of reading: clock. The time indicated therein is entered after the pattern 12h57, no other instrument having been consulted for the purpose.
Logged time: 3h20
